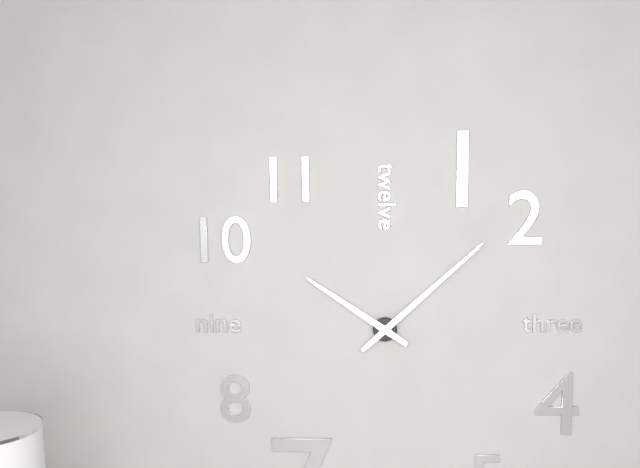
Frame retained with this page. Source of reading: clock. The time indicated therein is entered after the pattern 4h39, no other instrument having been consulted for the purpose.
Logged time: 10h08
